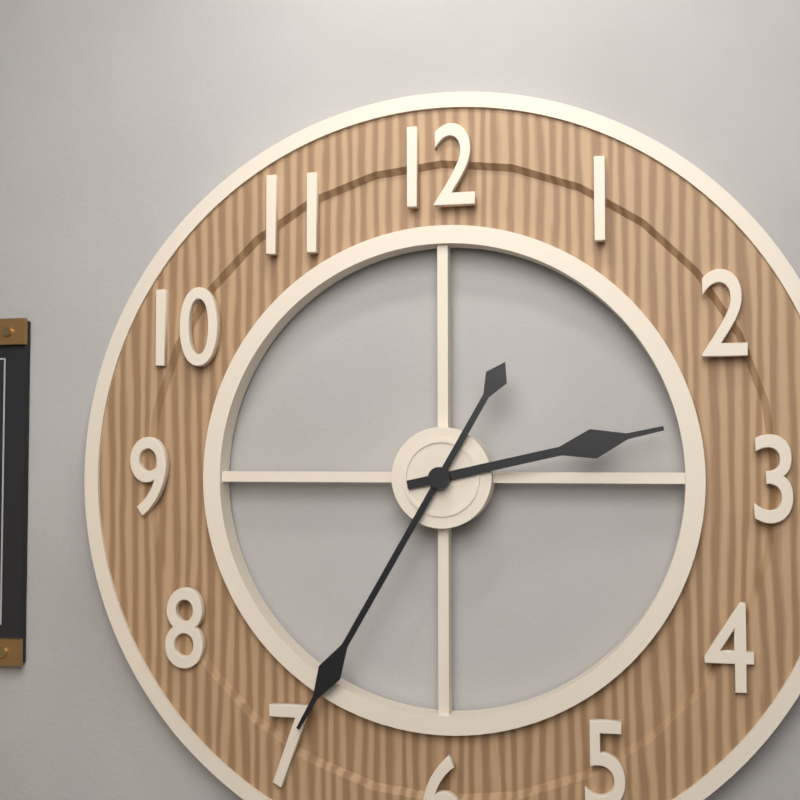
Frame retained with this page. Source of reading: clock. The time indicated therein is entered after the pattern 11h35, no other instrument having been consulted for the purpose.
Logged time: 2h35
